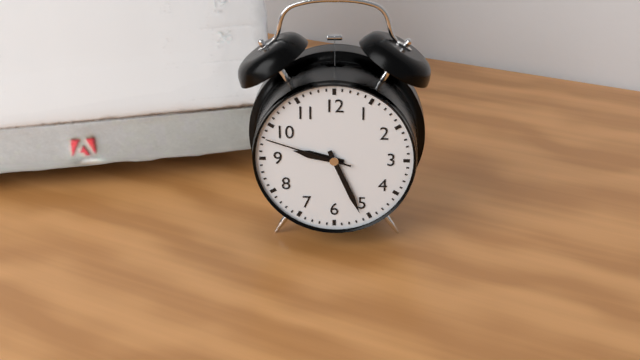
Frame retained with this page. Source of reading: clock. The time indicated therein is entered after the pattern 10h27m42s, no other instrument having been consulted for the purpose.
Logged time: 9h26m48s
